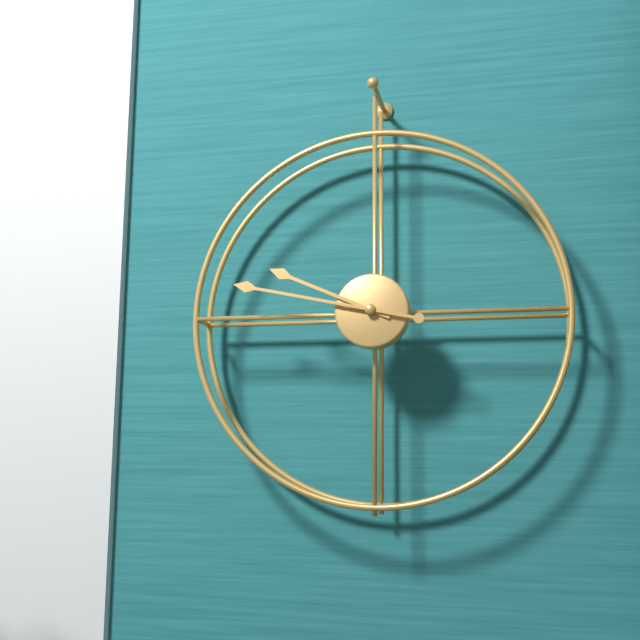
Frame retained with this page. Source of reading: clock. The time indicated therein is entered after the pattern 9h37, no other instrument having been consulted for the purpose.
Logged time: 9h47
